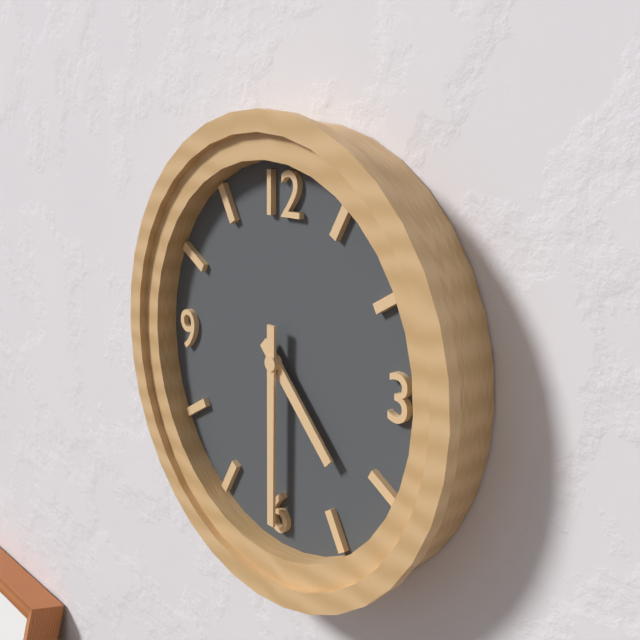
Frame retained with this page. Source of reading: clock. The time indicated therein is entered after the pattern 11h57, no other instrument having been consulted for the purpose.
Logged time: 4h30
